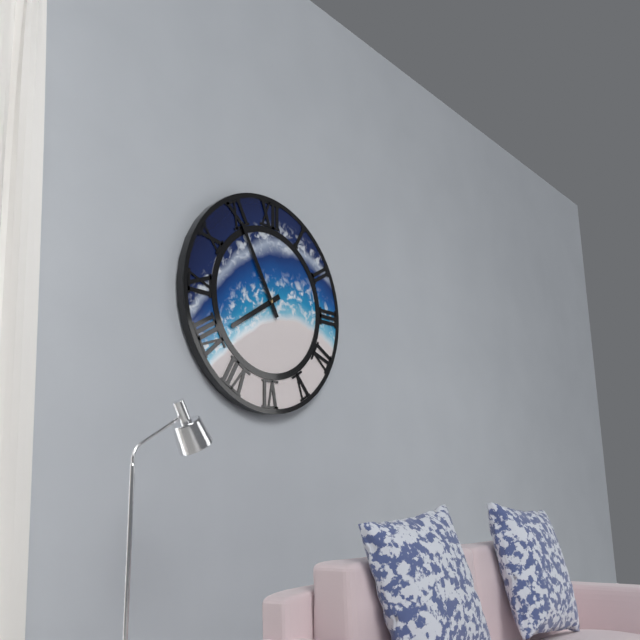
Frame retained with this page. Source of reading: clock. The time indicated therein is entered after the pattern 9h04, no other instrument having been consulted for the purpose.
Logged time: 7h55
